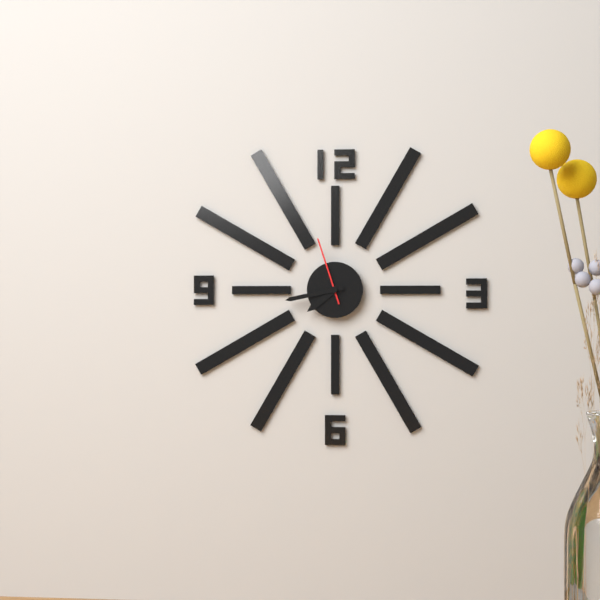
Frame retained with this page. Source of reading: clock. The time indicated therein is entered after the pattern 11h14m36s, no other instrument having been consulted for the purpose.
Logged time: 7h43m57s
